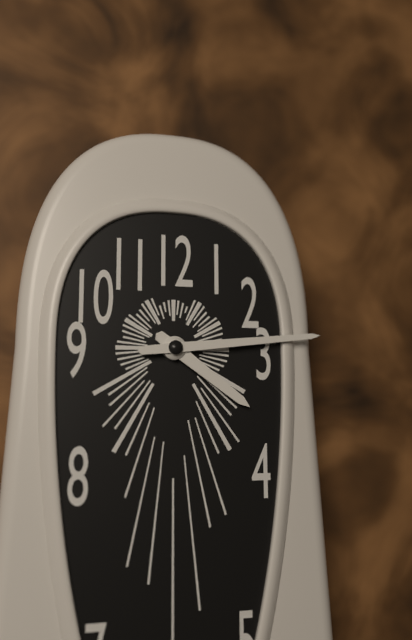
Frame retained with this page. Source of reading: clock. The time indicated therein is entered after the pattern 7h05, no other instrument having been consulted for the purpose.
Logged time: 4h14
